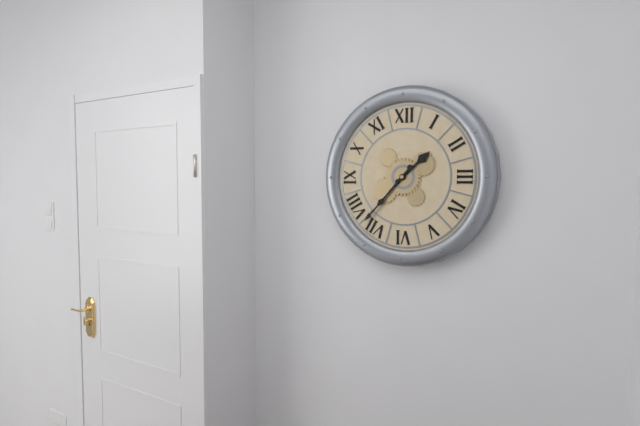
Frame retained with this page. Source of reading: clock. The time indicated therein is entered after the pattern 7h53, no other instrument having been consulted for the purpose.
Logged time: 1h37
